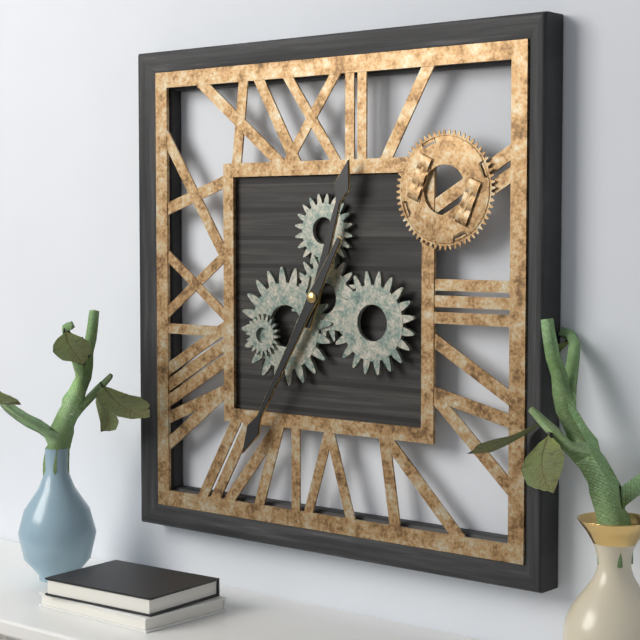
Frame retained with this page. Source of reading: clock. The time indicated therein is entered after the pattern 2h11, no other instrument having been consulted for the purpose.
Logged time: 12h35
